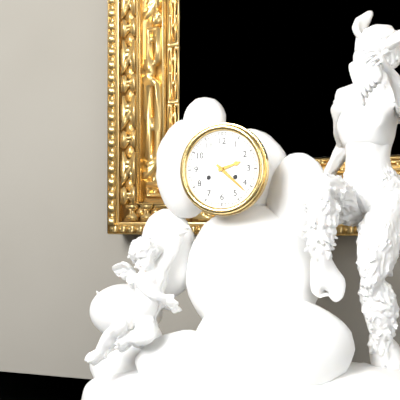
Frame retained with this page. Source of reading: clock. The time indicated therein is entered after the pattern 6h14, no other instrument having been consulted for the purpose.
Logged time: 2h22
